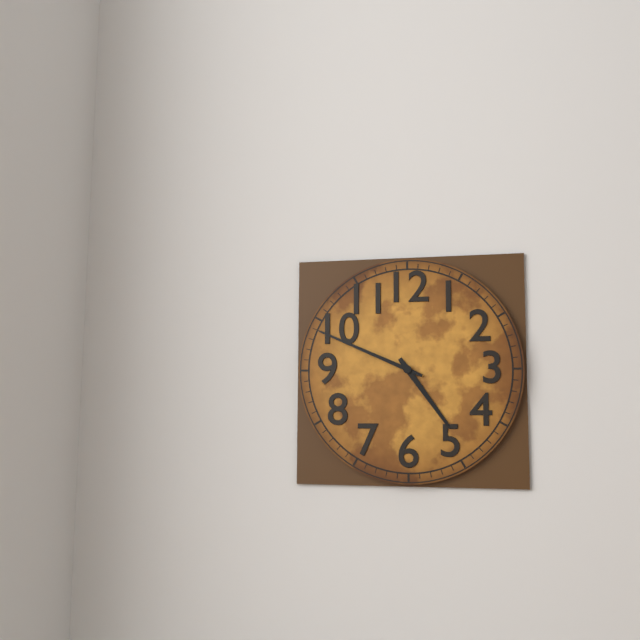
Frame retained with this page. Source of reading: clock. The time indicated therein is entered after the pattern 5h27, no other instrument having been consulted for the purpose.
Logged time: 4h49
